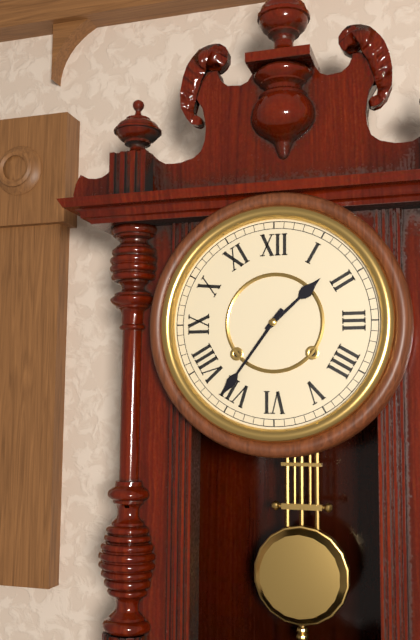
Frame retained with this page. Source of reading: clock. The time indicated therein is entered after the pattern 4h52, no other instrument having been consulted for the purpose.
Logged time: 1h36
